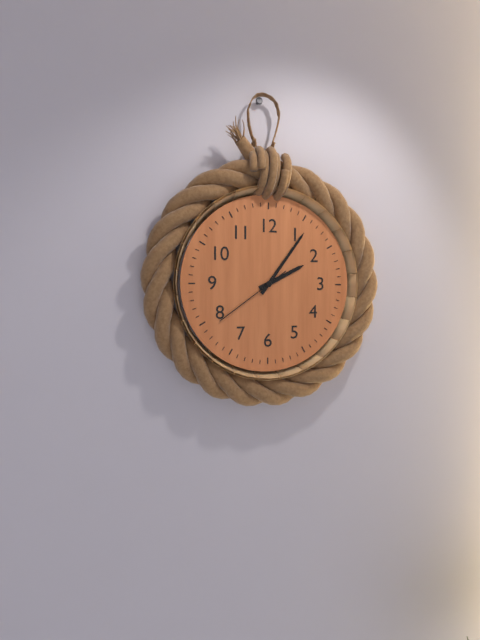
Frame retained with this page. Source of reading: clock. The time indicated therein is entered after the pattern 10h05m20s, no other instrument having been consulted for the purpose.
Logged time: 2h06m39s
